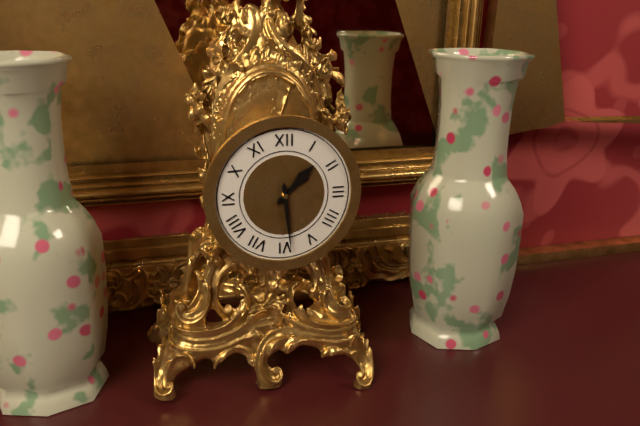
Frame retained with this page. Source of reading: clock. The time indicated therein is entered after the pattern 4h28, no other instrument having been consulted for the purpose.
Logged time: 1h29
